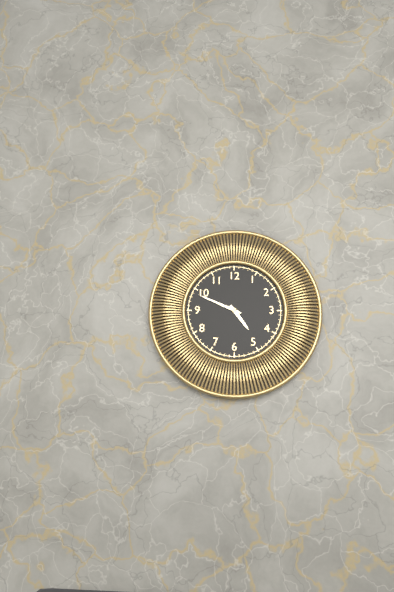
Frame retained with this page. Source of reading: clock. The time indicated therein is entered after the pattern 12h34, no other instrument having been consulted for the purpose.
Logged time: 4h49
